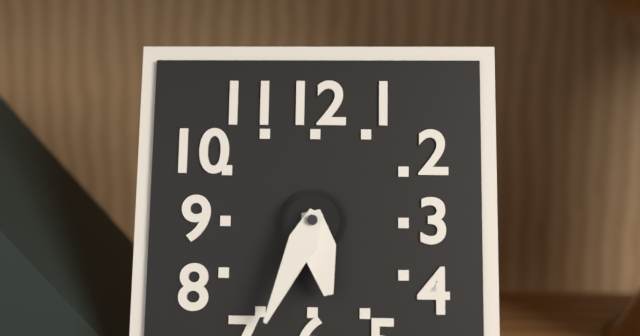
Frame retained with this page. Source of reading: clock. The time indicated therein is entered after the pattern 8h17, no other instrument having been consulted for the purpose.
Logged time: 5h34
